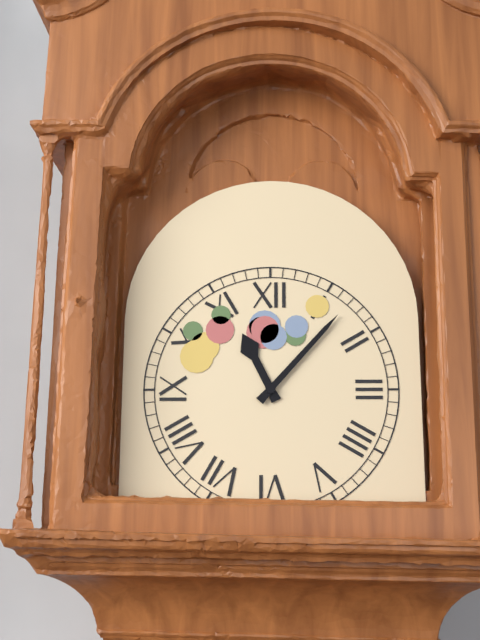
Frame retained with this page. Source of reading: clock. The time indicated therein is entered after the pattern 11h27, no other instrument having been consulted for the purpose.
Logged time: 11h07
